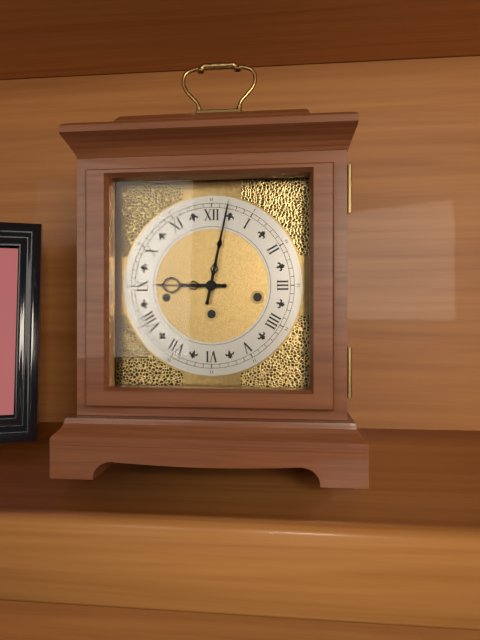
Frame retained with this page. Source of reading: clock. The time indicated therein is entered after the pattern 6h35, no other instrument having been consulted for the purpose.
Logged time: 9h02
